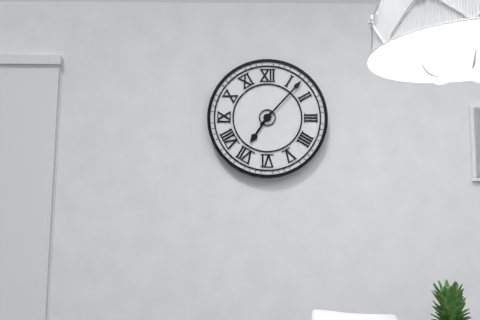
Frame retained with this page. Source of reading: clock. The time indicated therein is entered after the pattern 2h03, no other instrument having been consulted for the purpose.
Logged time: 7h07
